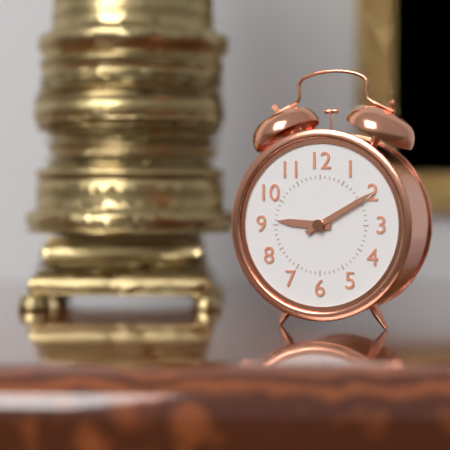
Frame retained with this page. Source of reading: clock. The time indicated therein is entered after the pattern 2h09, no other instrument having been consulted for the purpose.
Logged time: 9h10
